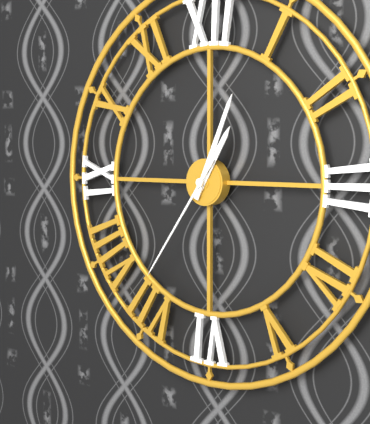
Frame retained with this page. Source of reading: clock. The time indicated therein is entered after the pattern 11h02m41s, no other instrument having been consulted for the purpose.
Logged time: 1h04m36s
